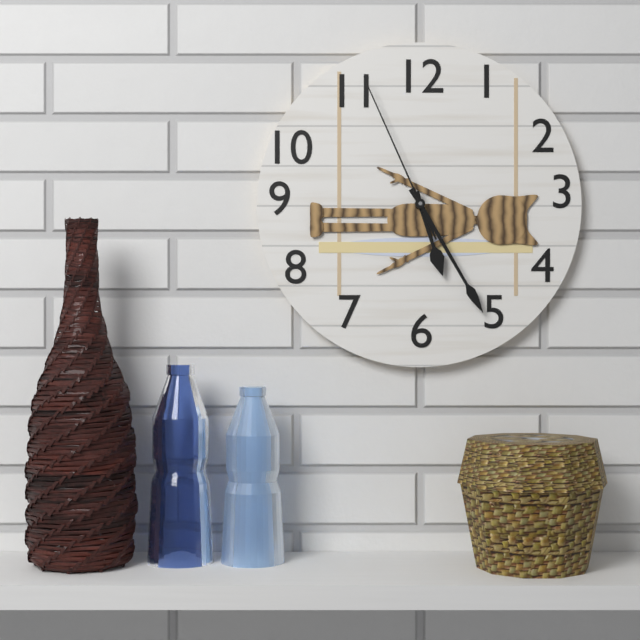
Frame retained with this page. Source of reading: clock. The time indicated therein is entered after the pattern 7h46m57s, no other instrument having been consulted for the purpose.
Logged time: 5h25m56s
